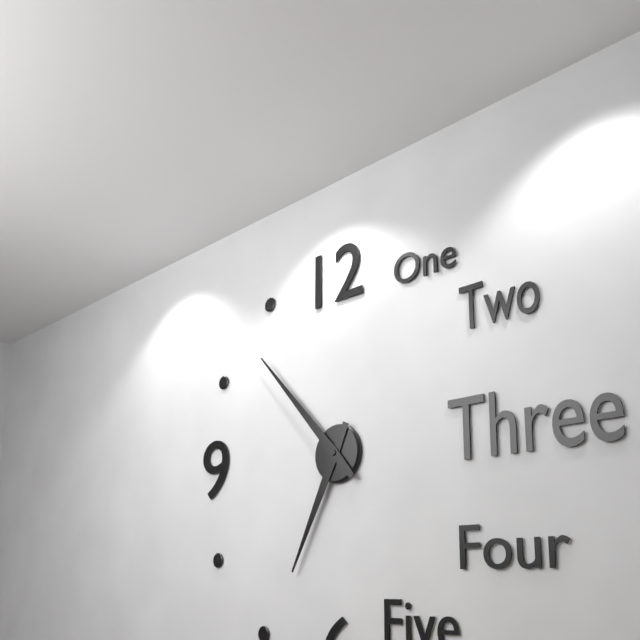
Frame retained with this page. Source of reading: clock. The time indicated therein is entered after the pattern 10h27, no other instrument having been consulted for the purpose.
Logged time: 6h53
